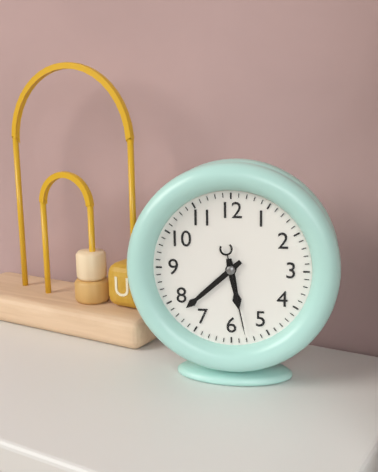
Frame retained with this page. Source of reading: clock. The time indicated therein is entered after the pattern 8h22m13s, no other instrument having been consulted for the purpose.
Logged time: 5h38m28s
